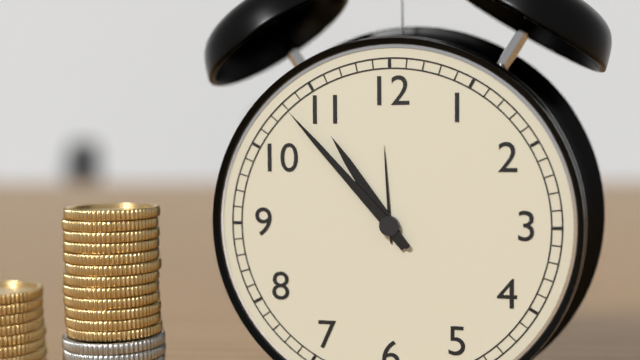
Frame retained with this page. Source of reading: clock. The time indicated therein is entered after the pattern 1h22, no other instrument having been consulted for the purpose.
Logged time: 10h53
